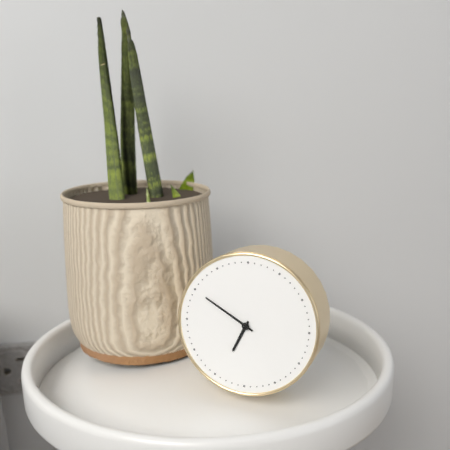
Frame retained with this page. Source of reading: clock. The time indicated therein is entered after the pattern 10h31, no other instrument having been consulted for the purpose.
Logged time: 6h50
